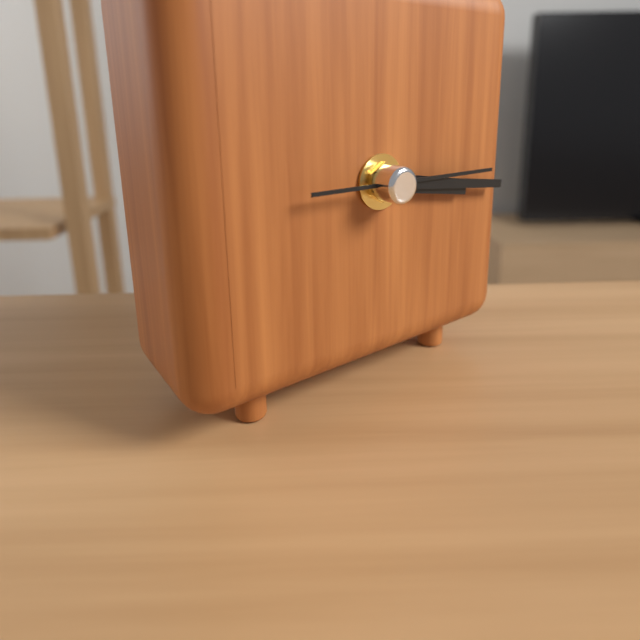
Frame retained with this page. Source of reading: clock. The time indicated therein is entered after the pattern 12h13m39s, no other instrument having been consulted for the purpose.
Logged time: 3h16m15s
